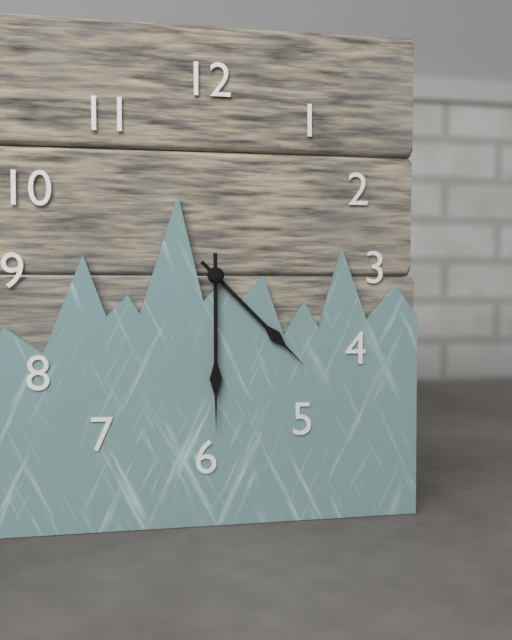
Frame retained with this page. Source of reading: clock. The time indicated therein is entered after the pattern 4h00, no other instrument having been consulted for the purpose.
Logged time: 4h30
